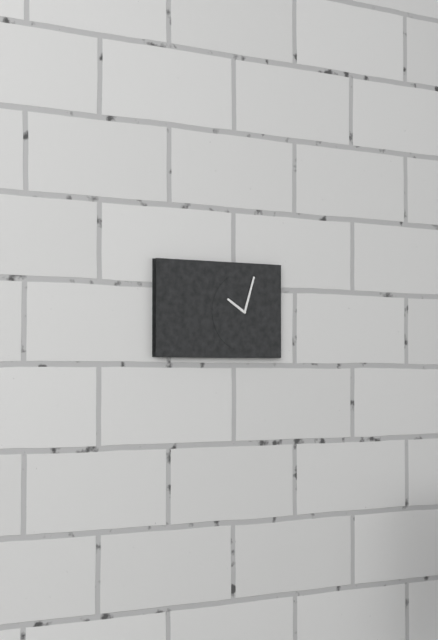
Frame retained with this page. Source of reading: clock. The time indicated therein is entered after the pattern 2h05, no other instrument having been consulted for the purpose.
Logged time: 10h03
